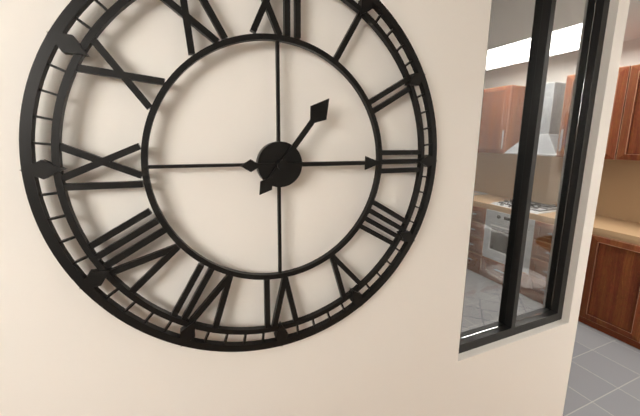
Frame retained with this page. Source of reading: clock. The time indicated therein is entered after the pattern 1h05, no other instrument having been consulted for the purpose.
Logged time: 1h15
